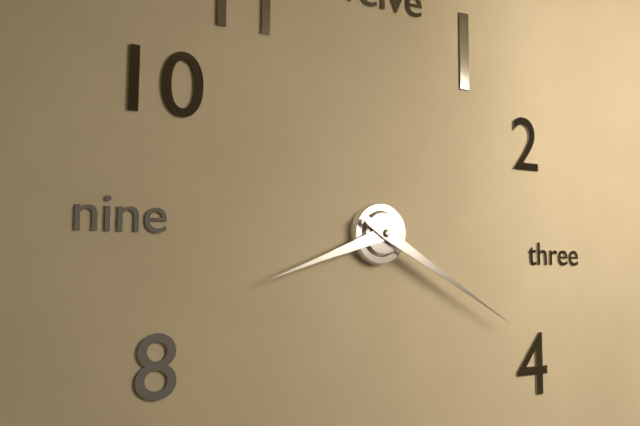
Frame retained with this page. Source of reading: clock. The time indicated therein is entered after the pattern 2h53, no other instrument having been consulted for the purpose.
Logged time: 8h20
